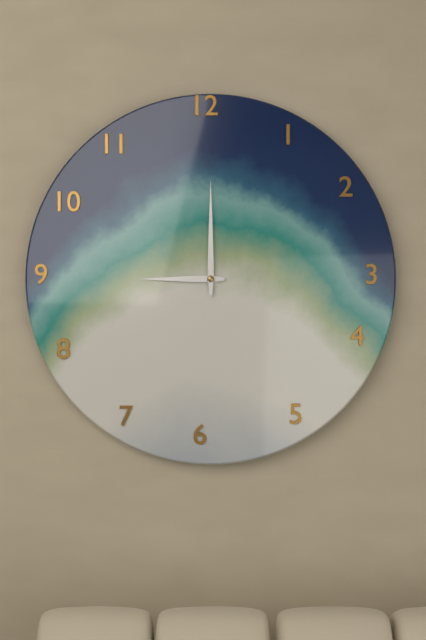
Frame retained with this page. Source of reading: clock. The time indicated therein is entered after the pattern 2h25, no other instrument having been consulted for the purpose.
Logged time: 9h00
